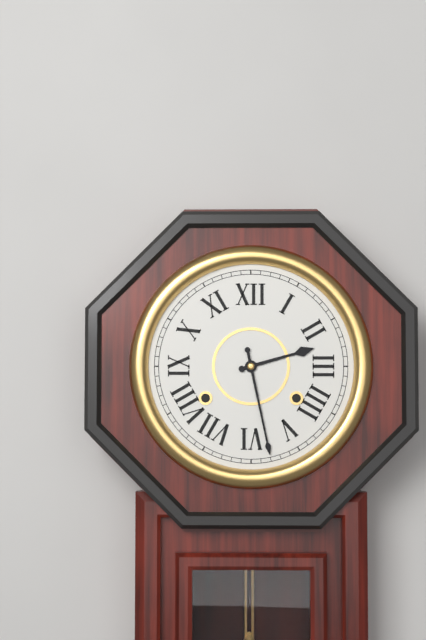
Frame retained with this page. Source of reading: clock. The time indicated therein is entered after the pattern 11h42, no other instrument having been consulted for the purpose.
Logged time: 2h28
